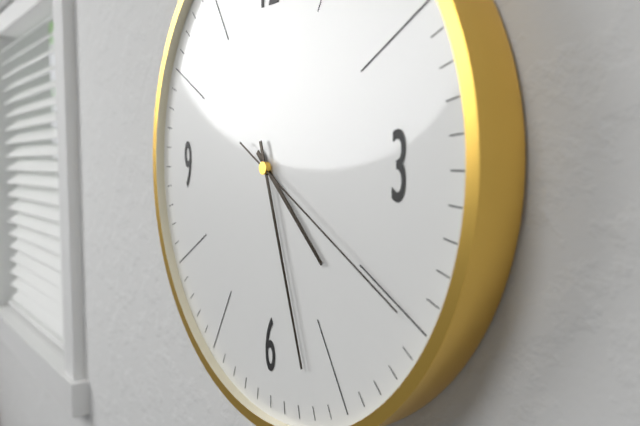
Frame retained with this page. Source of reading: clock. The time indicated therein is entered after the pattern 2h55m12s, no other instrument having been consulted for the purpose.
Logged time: 4h27m20s
